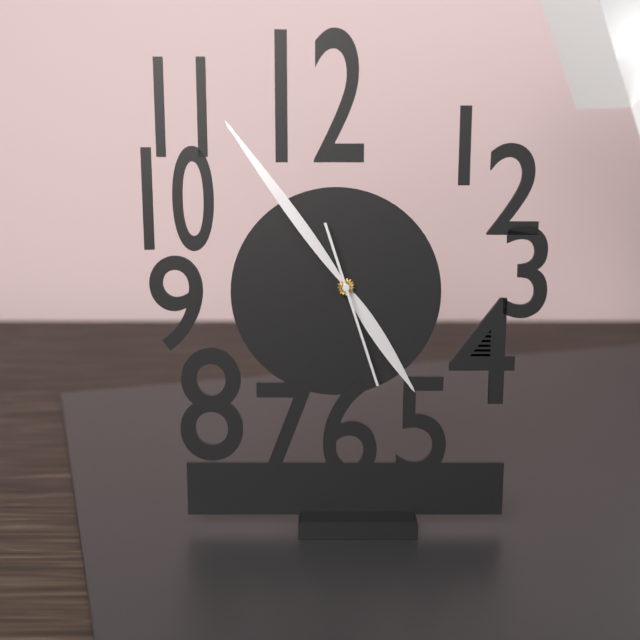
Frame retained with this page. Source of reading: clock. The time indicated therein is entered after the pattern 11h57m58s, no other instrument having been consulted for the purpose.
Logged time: 4h54m27s
